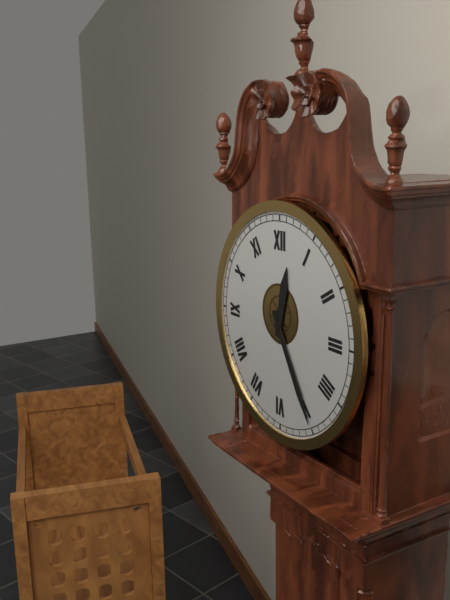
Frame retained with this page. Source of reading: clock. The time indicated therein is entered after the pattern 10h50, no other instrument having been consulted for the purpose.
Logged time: 12h25
